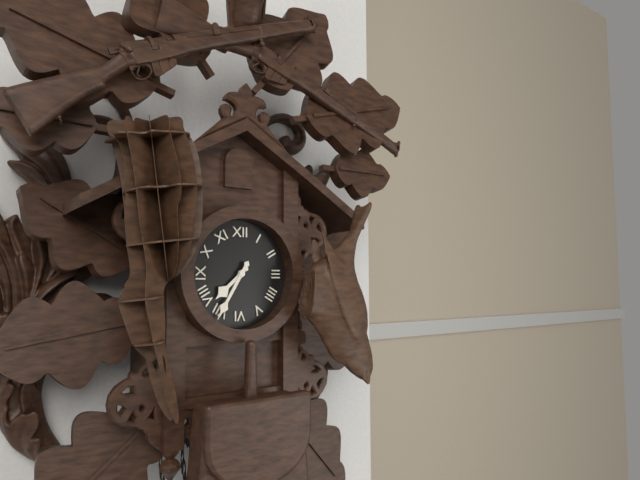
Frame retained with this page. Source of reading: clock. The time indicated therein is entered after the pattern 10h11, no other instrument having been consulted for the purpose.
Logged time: 7h35
